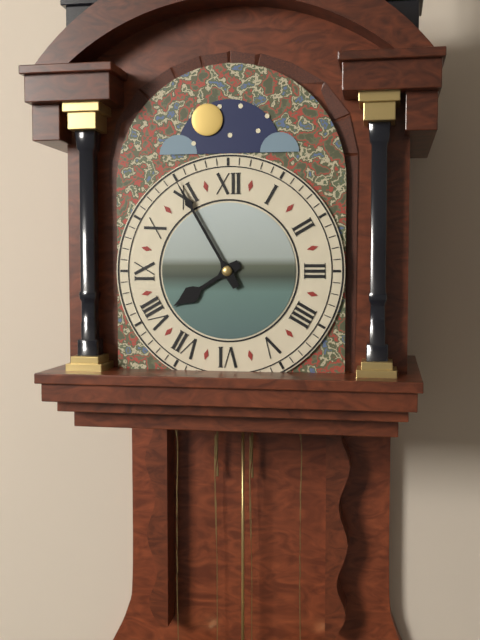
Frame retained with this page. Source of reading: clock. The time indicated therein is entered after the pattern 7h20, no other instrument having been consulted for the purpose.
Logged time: 7h55
